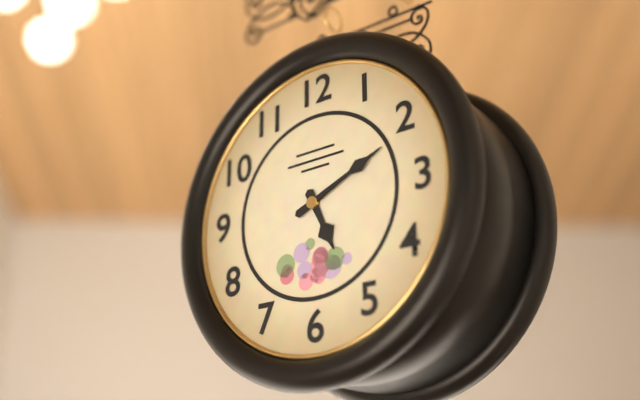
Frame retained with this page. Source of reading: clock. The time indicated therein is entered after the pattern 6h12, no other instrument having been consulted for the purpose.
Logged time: 5h11
